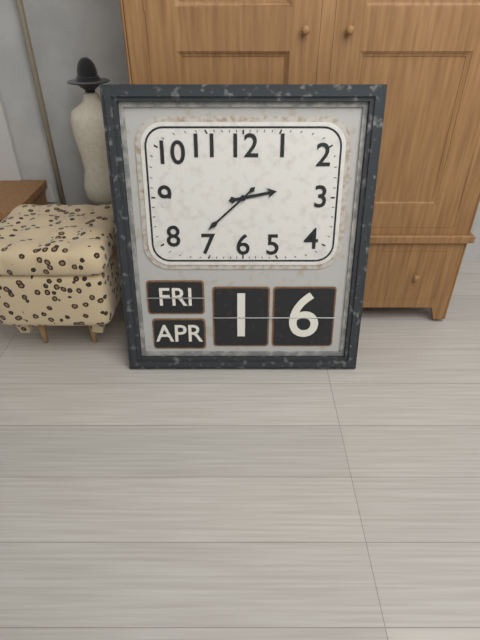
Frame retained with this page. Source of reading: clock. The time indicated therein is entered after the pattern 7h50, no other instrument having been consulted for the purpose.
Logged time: 2h38
